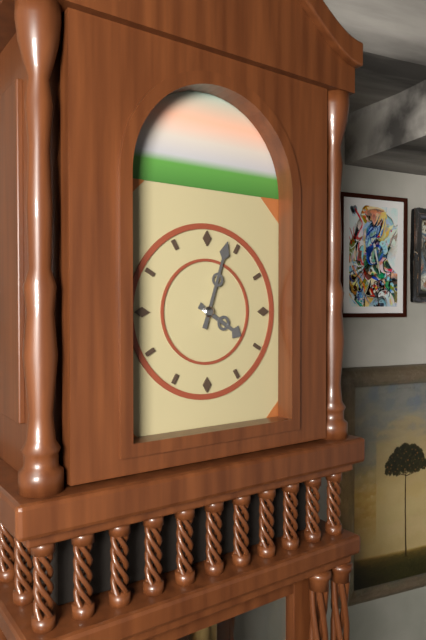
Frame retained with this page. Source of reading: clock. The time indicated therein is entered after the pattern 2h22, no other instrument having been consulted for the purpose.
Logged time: 4h03
